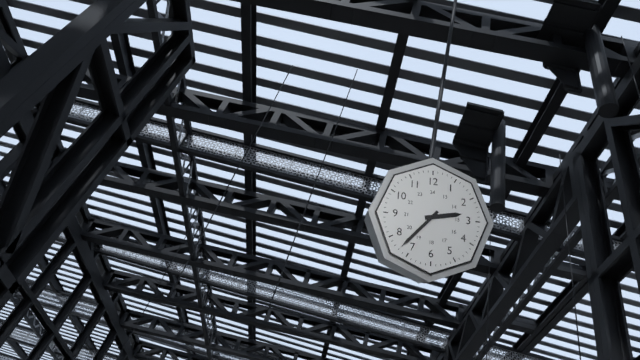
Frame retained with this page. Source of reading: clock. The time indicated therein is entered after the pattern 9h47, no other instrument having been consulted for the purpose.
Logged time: 2h37
